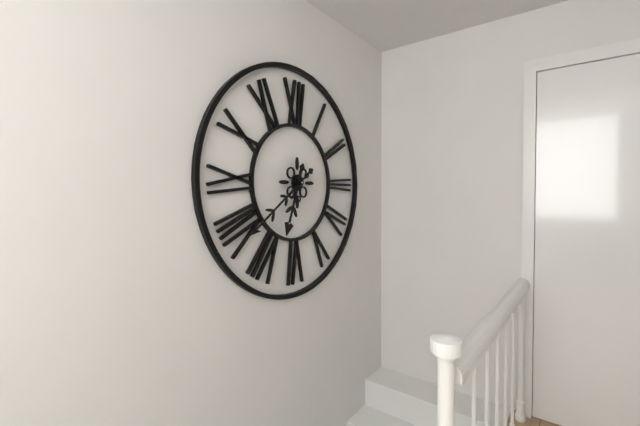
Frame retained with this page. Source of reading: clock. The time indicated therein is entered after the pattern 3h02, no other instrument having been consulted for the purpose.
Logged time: 6h39
